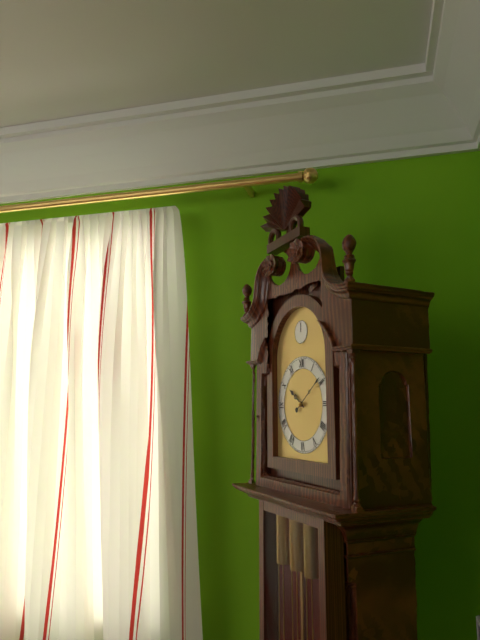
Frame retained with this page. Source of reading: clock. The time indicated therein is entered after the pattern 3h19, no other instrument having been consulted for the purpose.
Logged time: 10h09
